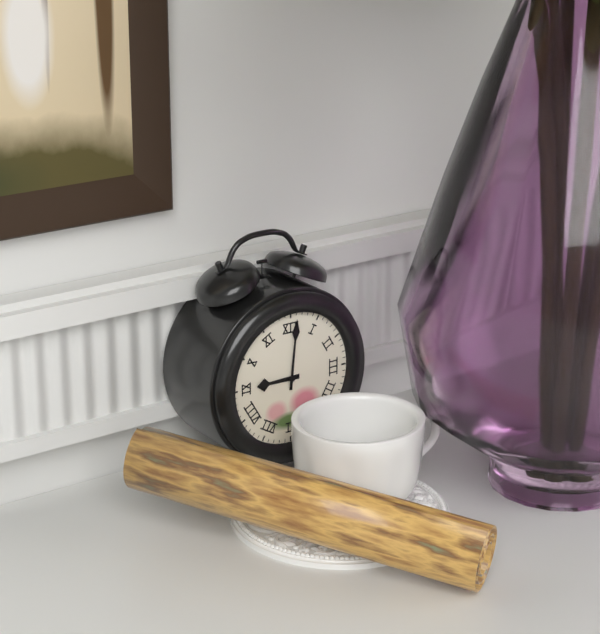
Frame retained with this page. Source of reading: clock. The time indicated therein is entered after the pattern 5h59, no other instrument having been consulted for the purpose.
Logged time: 9h01
